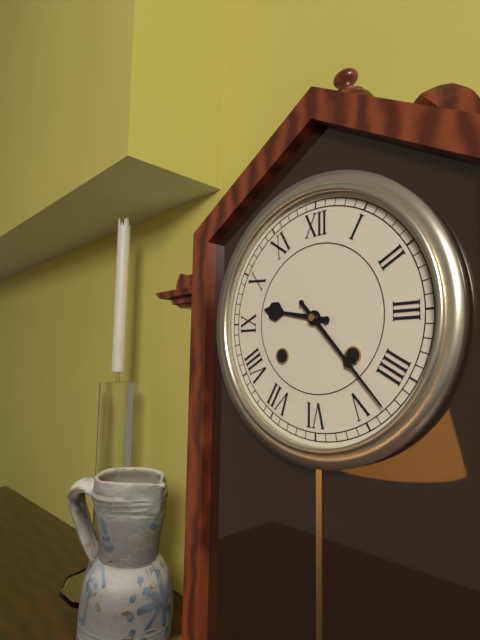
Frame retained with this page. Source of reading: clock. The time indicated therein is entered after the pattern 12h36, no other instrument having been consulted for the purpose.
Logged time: 9h23
